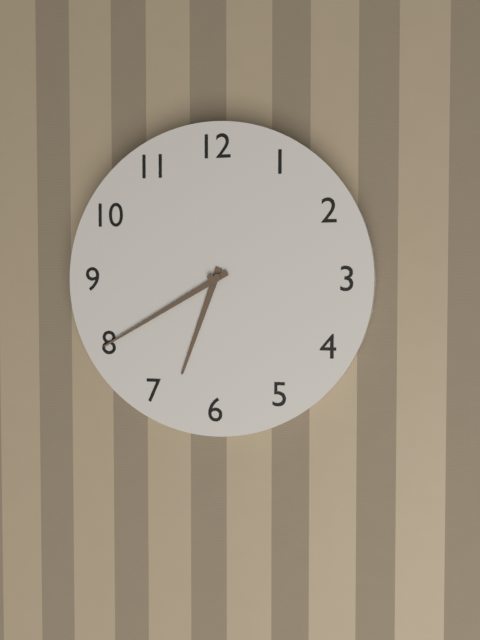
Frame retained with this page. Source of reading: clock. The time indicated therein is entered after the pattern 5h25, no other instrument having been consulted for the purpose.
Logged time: 6h40
